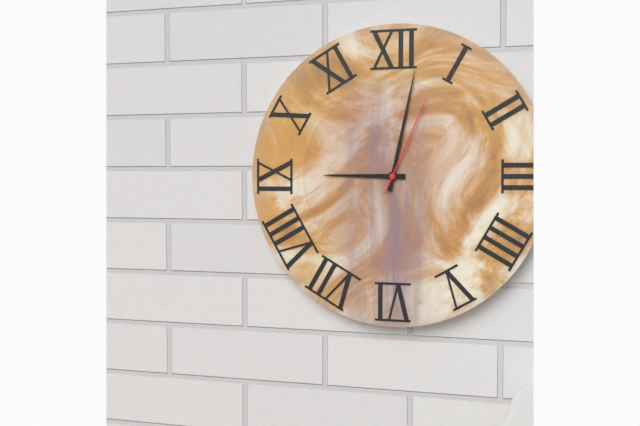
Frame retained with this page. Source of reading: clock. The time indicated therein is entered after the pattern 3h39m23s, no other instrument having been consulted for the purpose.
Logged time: 9h02m04s
